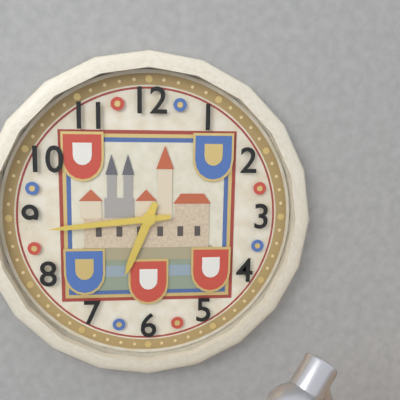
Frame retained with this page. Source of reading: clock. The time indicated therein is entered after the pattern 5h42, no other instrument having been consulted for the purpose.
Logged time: 6h44
